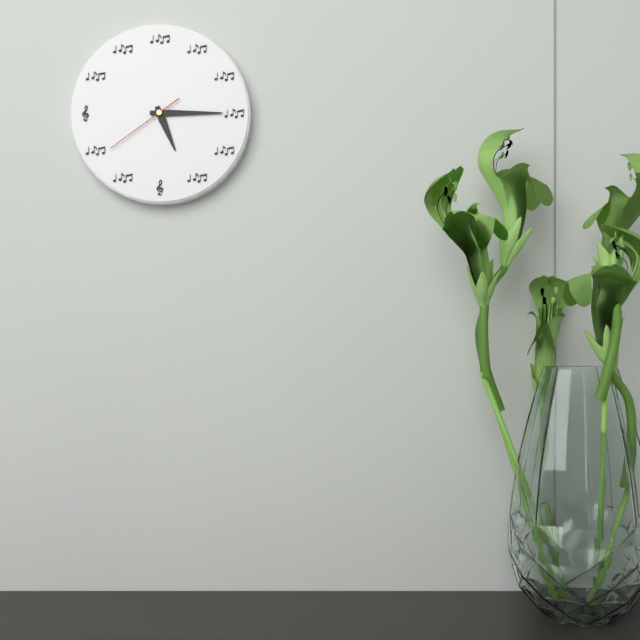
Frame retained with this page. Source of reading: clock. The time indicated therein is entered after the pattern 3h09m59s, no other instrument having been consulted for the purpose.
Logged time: 5h15m39s
